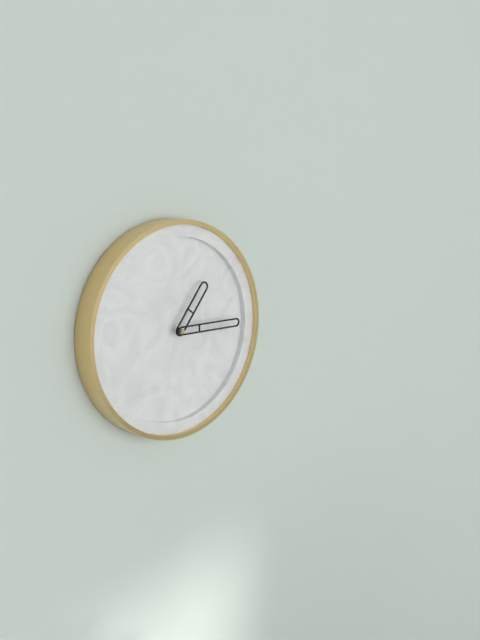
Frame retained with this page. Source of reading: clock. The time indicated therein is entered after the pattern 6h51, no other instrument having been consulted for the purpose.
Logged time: 1h15
